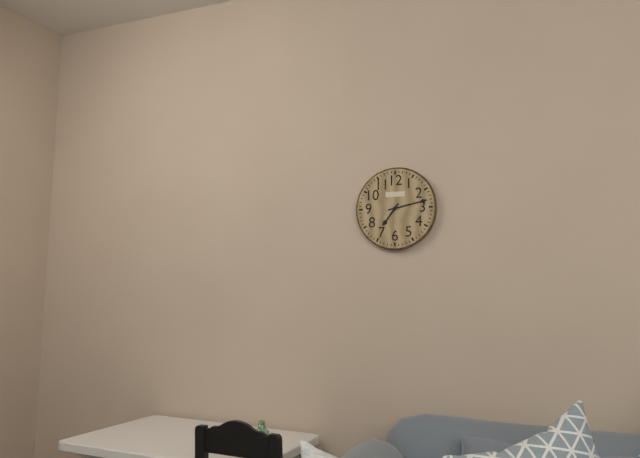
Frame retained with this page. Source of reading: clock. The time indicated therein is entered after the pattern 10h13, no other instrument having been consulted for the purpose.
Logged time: 7h13
